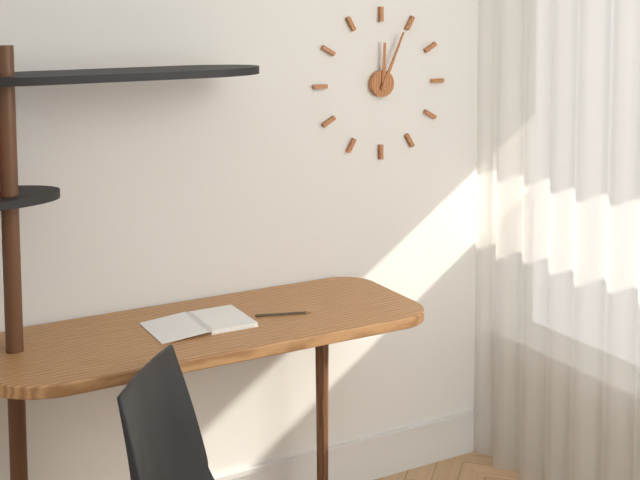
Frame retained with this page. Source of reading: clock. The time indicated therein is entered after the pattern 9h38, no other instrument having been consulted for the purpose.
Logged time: 12h04
